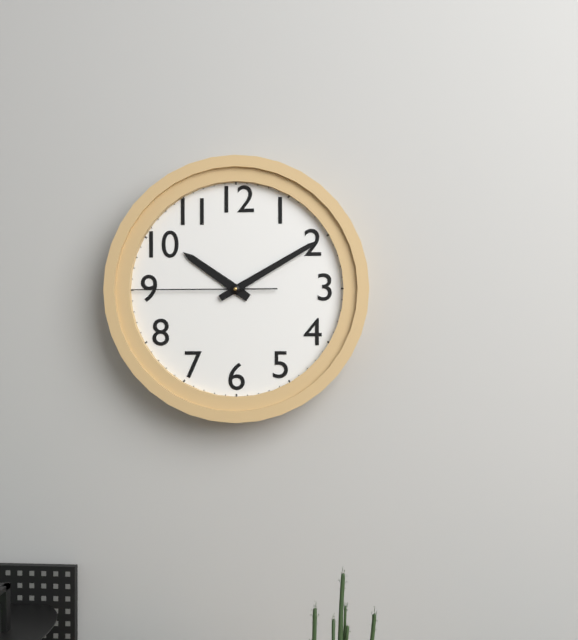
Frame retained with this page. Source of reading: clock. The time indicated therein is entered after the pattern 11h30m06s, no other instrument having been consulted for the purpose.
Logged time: 10h10m45s
